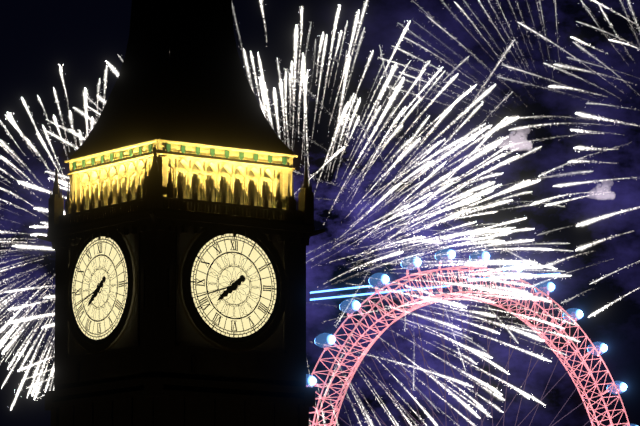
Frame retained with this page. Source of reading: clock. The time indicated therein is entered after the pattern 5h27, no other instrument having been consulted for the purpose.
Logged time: 7h42
